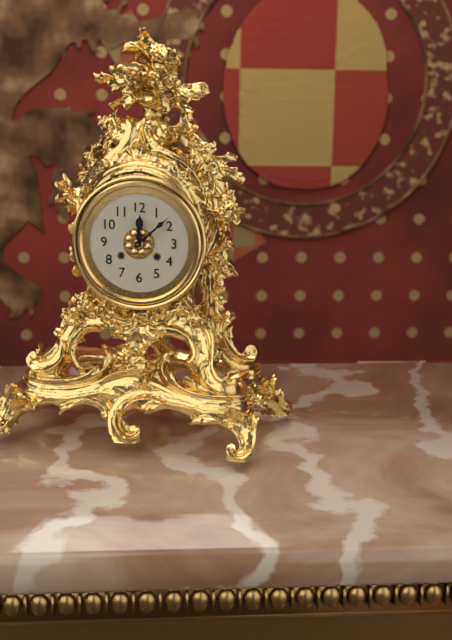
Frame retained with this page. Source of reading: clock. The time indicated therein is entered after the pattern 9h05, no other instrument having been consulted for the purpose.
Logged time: 12h08
